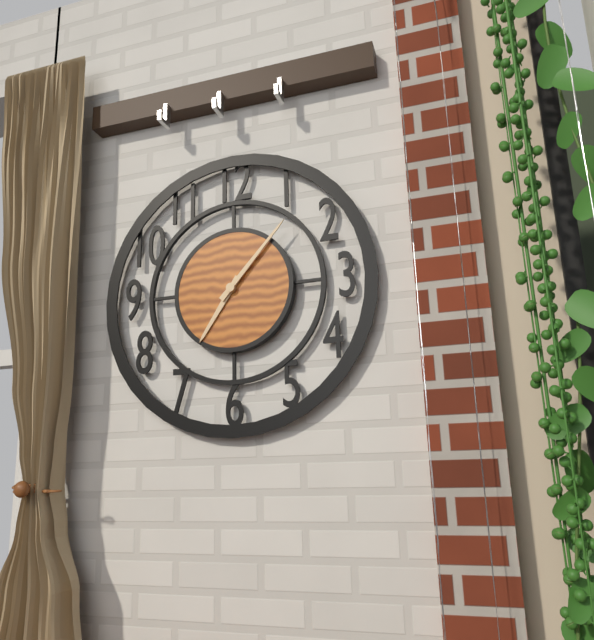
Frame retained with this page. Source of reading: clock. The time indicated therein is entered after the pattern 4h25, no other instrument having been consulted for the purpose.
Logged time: 7h07
